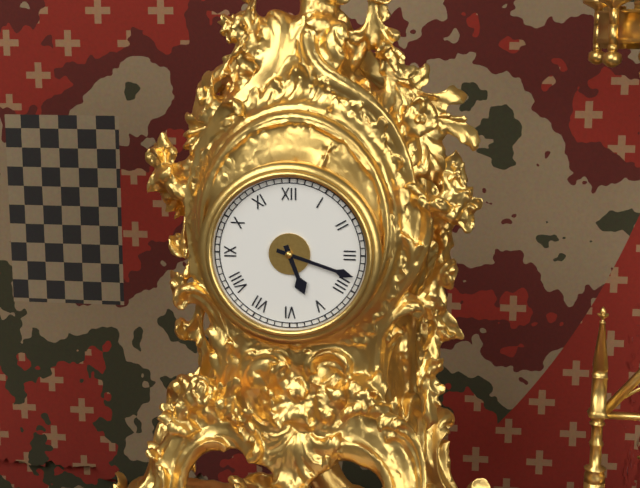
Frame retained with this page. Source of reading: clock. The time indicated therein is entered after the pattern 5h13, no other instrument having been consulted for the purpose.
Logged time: 5h18
